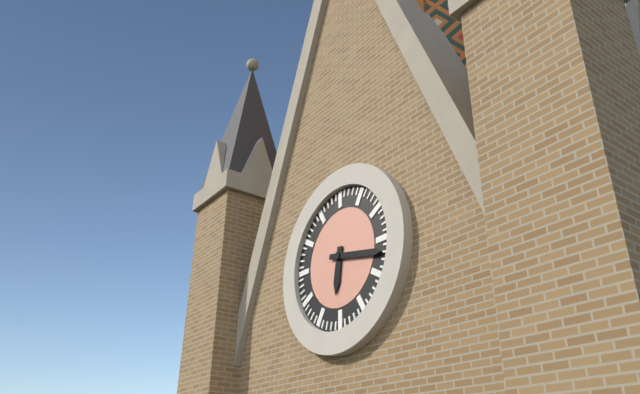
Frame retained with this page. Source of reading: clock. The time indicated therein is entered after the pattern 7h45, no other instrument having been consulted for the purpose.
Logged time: 6h17
